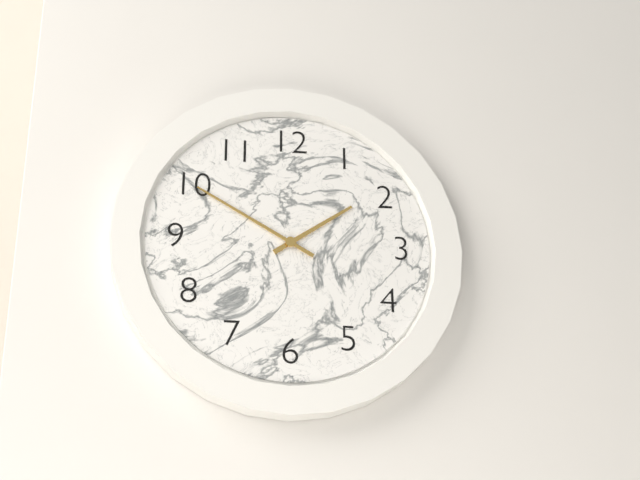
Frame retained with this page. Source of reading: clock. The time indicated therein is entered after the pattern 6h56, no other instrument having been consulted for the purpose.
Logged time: 1h50
